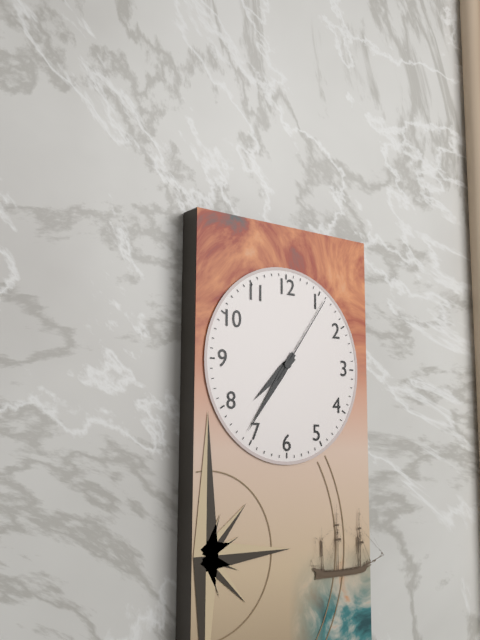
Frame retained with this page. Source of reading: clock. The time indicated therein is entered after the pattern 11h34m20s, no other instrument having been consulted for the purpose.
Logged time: 7h36m06s
